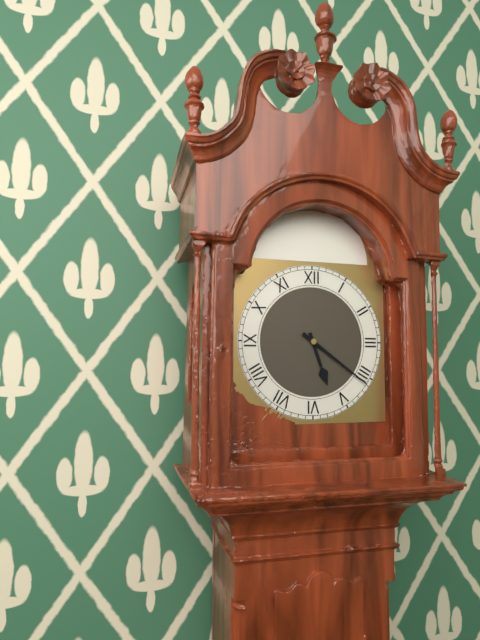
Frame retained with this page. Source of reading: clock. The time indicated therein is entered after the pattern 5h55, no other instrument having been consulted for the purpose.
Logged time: 5h21
